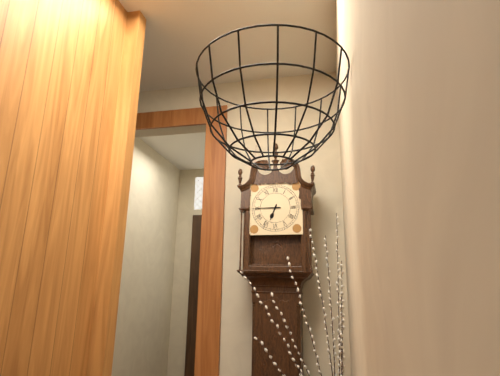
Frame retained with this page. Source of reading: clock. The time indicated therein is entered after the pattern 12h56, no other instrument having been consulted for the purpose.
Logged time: 6h45
